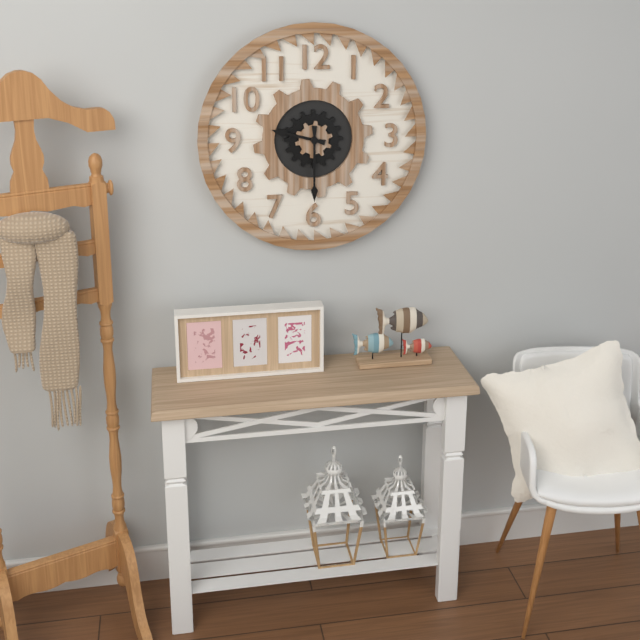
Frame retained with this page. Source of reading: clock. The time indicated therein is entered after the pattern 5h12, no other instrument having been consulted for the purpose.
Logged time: 9h30
